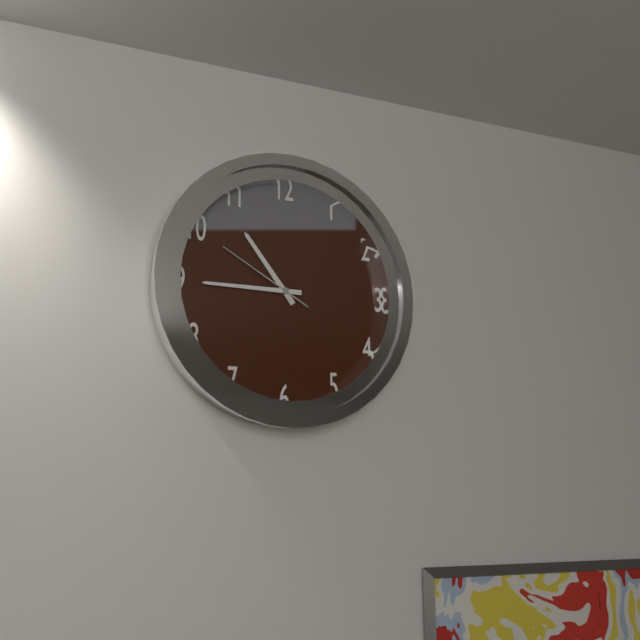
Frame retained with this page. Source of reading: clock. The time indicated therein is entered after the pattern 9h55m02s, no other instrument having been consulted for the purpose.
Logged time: 10h45m50s
